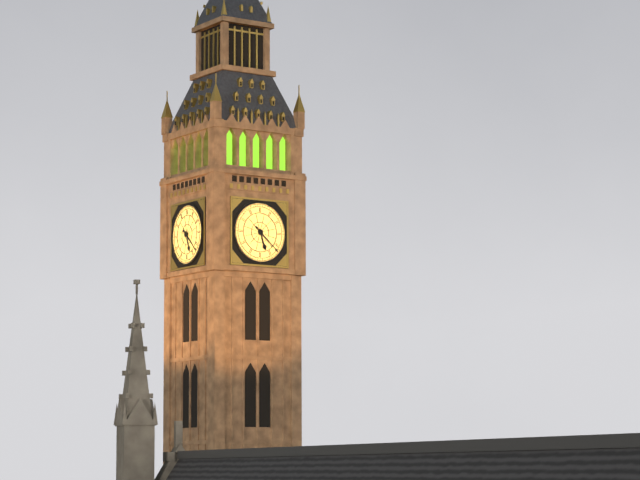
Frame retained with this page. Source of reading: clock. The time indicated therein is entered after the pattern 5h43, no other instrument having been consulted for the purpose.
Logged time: 5h22
